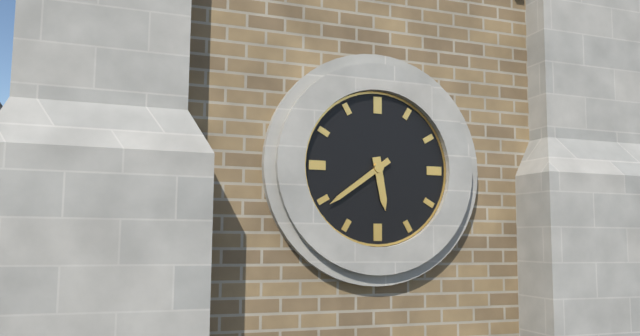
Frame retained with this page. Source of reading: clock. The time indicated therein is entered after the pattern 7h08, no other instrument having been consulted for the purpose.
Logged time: 5h39
